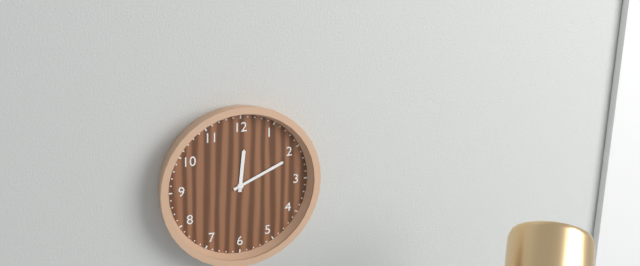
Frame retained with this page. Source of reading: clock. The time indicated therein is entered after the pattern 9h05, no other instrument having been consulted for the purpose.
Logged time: 12h11
